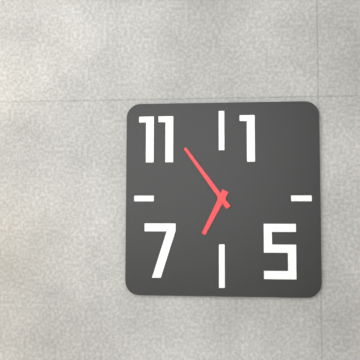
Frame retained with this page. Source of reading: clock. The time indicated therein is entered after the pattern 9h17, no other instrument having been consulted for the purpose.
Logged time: 6h54
